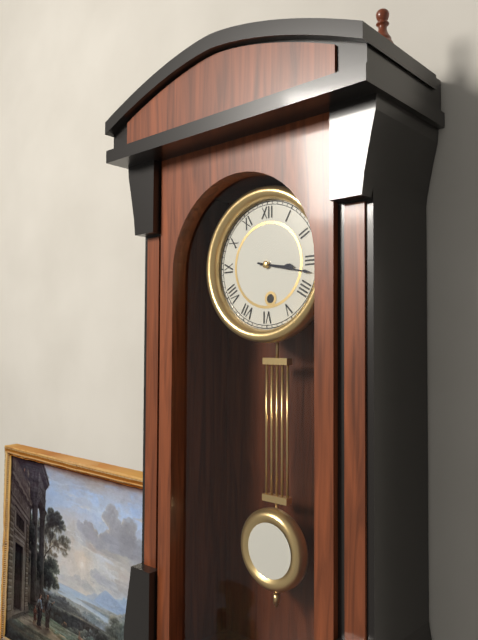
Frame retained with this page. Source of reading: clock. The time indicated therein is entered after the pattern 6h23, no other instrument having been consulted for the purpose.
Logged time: 3h17
